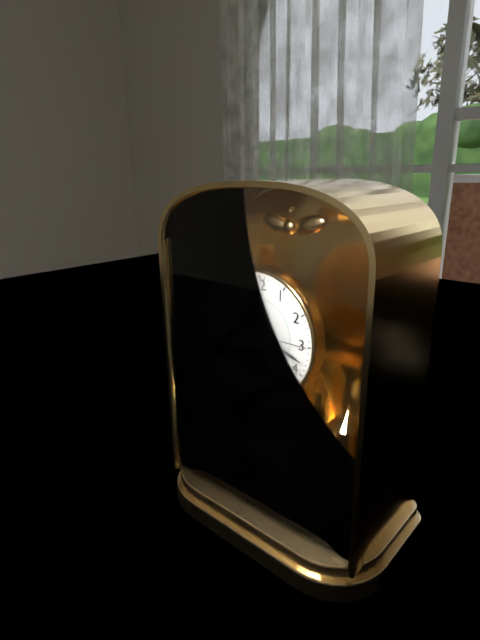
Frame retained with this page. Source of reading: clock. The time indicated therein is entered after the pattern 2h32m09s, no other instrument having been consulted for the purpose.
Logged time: 4h18m15s
